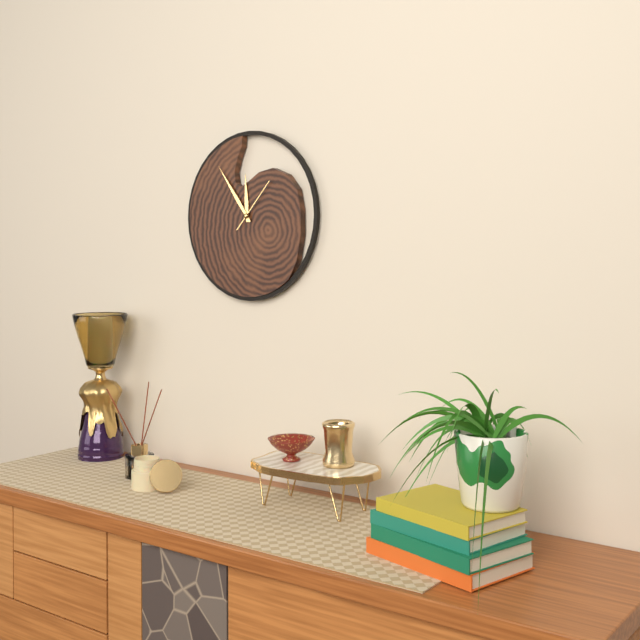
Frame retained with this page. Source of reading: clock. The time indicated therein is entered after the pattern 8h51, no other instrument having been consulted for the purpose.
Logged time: 11h54
